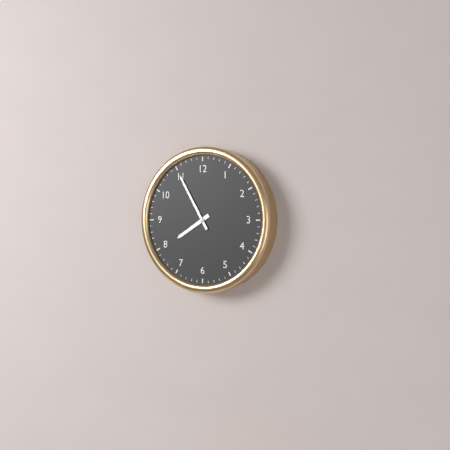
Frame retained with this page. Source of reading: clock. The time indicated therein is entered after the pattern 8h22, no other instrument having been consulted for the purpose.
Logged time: 7h55
